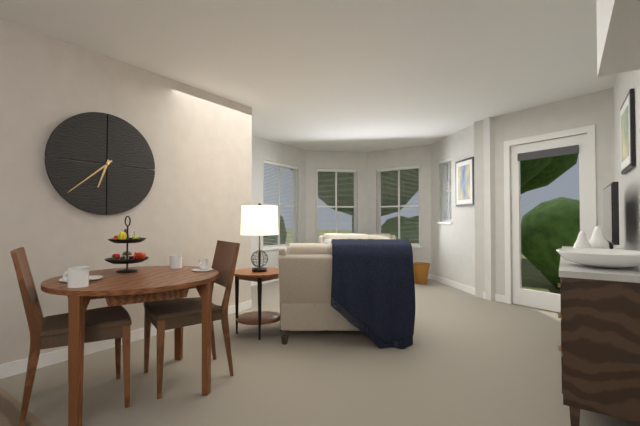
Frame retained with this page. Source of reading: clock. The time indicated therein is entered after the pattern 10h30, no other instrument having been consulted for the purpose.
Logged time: 6h38
